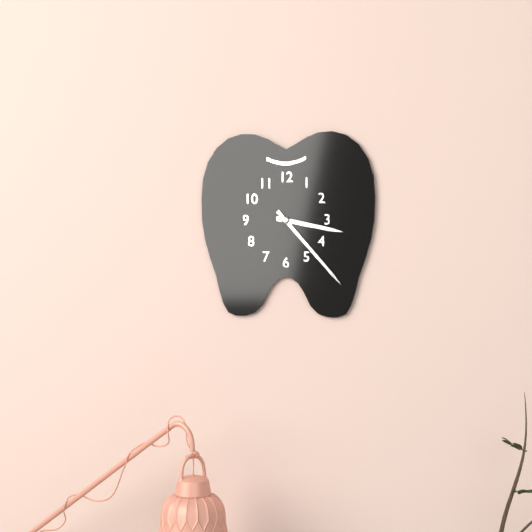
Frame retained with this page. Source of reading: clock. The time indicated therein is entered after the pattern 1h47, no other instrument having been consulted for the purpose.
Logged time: 3h23
